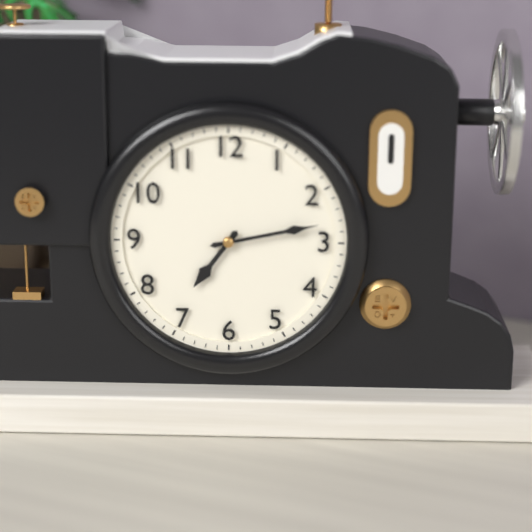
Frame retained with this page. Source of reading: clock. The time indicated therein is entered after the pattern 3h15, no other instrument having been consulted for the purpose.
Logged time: 7h13
